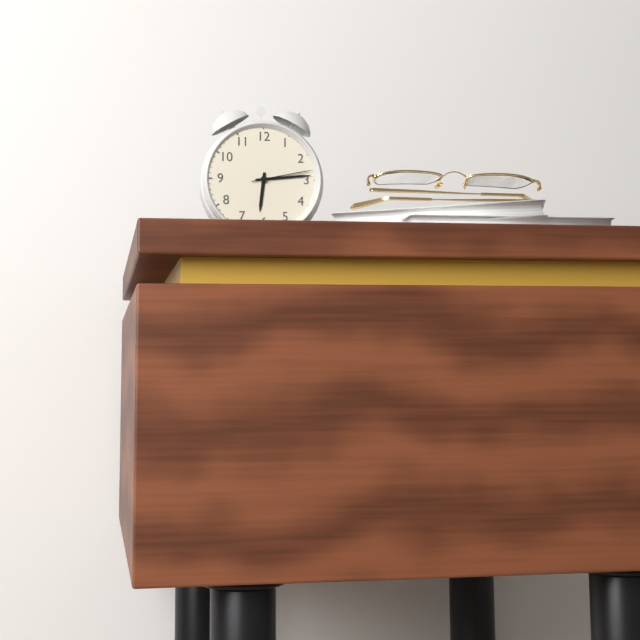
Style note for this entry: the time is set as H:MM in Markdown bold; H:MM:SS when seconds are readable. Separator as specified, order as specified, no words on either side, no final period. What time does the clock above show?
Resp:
**6:14:13**
